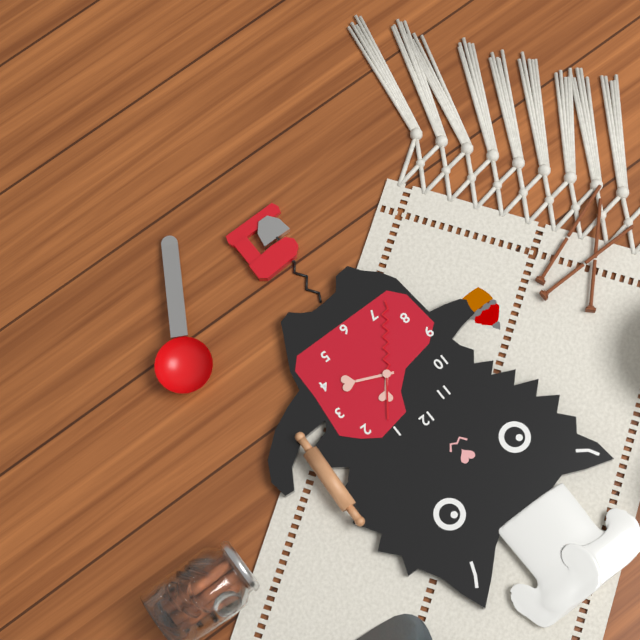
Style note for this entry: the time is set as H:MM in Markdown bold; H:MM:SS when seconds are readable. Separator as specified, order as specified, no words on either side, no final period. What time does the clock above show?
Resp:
**1:19:36**
